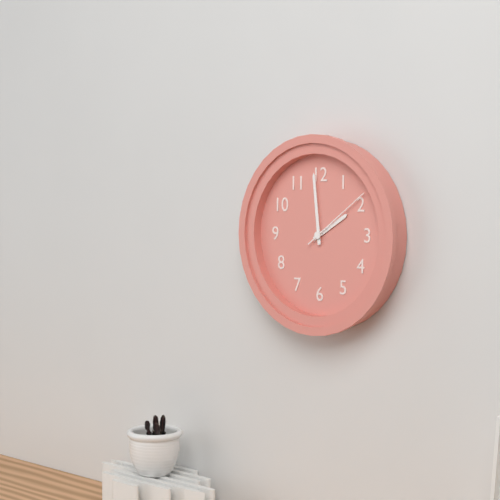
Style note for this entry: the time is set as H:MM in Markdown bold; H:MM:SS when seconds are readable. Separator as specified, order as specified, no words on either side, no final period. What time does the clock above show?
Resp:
**1:59:09**
